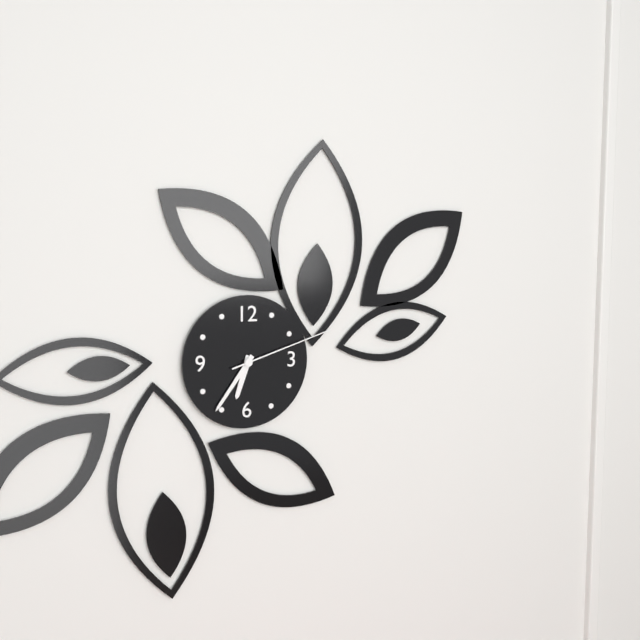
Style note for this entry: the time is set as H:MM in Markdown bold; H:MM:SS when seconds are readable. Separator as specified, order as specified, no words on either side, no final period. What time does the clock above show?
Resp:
**6:36:12**
